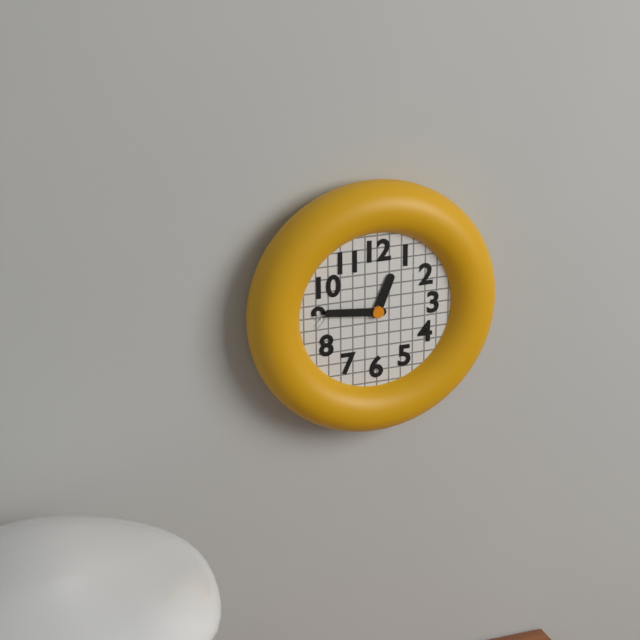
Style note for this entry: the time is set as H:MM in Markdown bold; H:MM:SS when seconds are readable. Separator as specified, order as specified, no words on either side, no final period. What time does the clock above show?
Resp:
**12:46**
